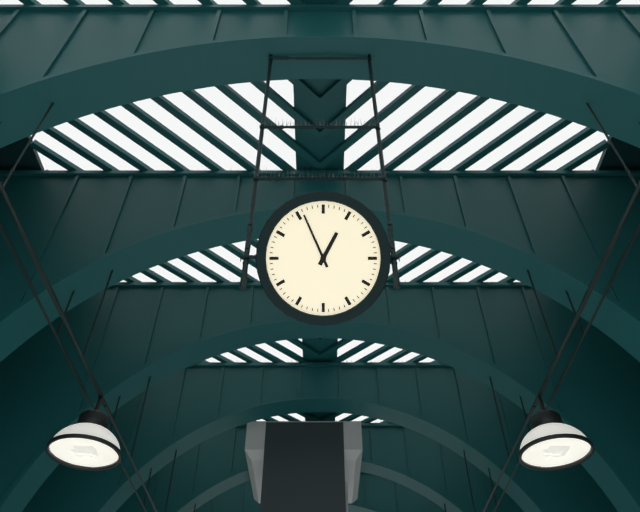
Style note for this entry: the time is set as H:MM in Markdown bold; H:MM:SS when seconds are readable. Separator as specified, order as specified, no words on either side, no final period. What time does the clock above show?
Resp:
**12:56**
